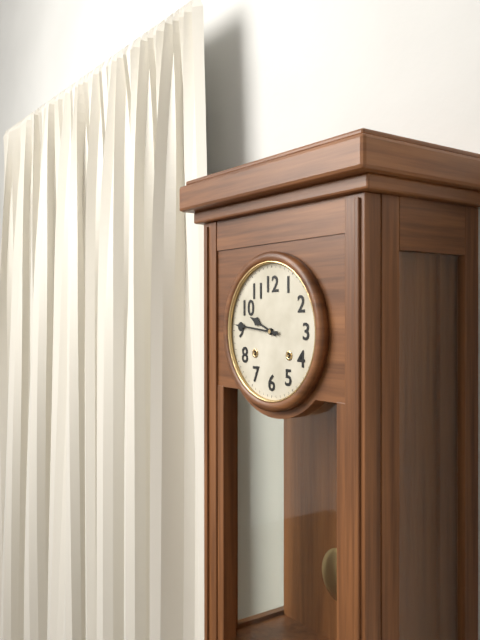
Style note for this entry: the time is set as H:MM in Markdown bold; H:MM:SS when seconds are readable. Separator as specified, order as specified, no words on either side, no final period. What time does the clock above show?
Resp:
**9:46**
